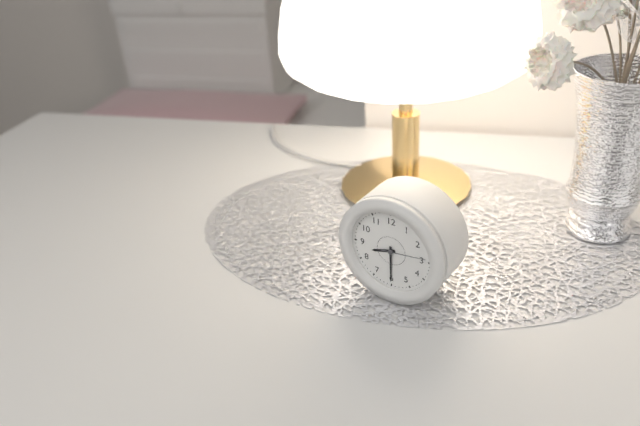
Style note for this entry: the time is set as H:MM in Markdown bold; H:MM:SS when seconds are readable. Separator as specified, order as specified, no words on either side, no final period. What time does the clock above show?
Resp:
**8:30**
